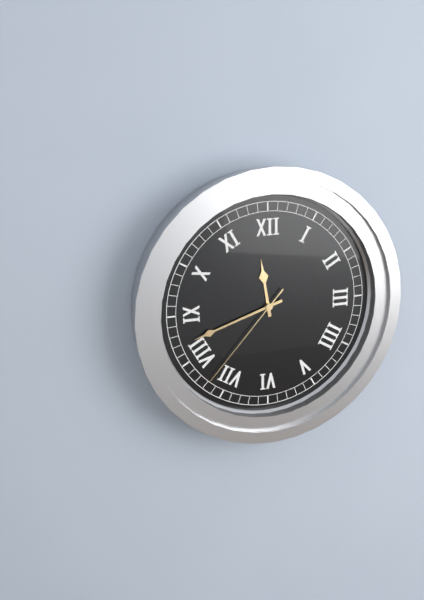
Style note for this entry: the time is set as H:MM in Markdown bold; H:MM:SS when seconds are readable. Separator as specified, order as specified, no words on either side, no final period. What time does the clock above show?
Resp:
**11:42:37**
